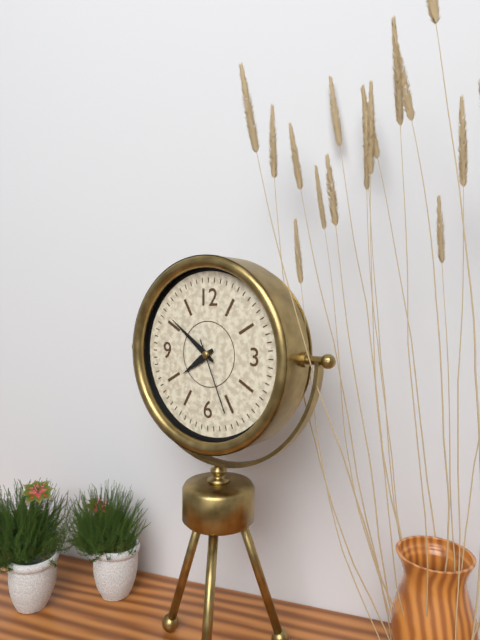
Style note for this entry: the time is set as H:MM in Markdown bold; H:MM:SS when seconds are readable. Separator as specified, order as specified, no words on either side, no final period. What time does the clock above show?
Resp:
**7:51:26**
